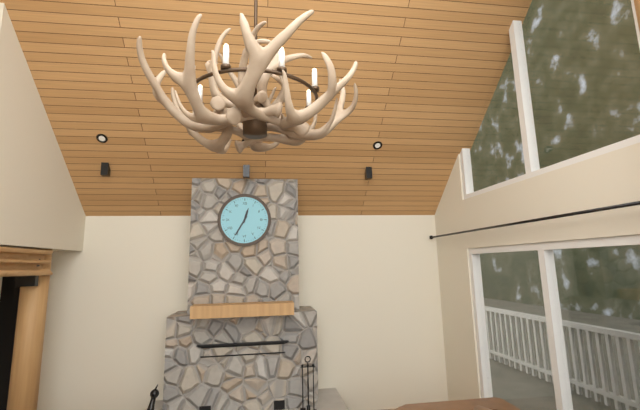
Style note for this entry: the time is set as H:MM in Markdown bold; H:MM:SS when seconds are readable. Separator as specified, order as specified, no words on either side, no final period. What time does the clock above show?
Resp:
**12:35**
